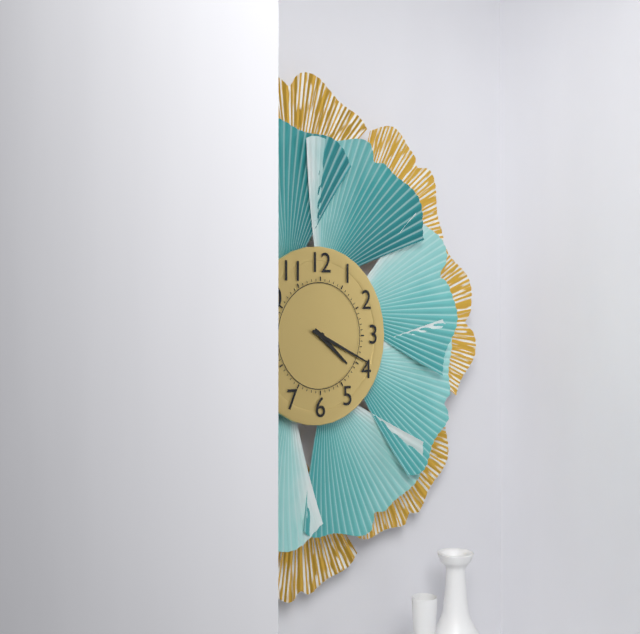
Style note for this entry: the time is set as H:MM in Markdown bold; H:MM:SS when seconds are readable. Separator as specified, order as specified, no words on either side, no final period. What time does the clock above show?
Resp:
**4:19**
